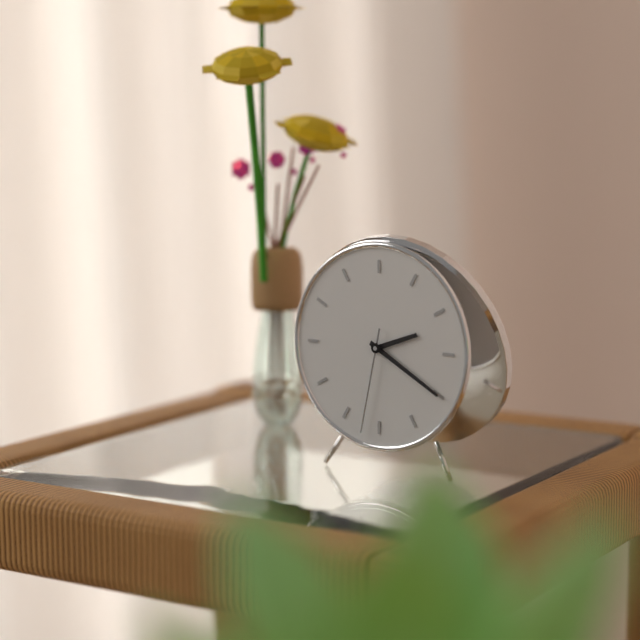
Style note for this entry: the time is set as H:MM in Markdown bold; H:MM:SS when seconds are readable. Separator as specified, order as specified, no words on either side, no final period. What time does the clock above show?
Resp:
**2:20:32**
